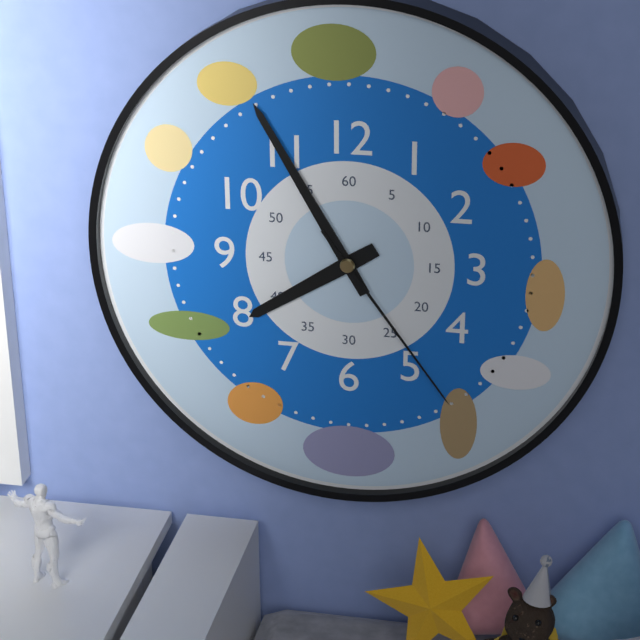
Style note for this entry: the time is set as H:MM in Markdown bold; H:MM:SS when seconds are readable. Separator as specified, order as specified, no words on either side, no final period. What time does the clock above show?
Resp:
**7:55:24**
